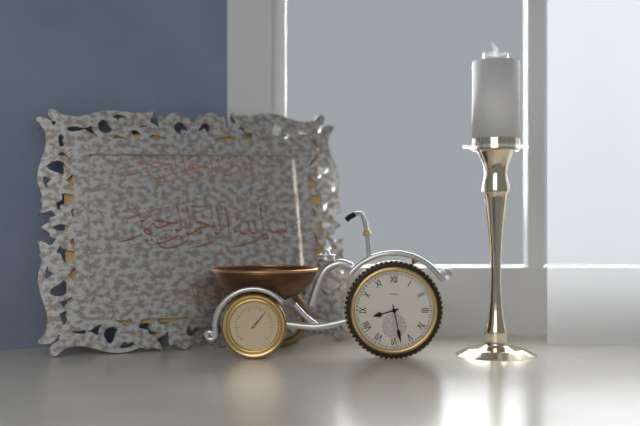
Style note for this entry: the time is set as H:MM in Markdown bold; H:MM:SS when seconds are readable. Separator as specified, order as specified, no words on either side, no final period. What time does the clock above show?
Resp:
**8:28**
